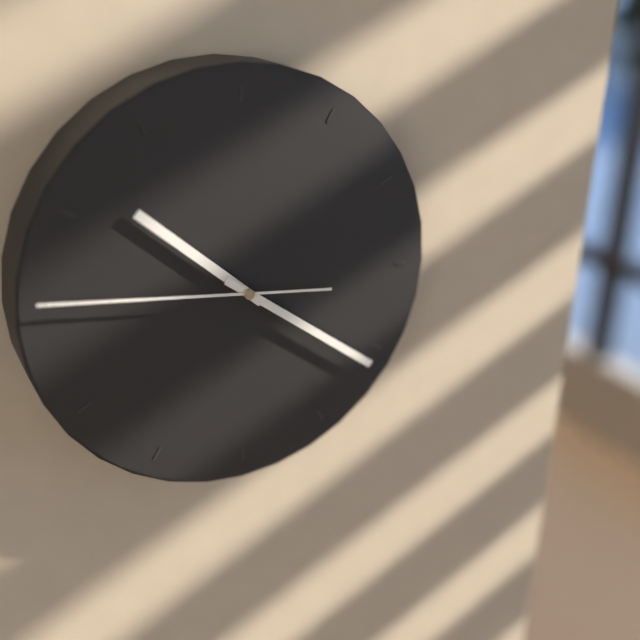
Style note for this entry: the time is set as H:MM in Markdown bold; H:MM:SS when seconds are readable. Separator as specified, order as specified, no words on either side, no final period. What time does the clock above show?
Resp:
**10:21:46**
